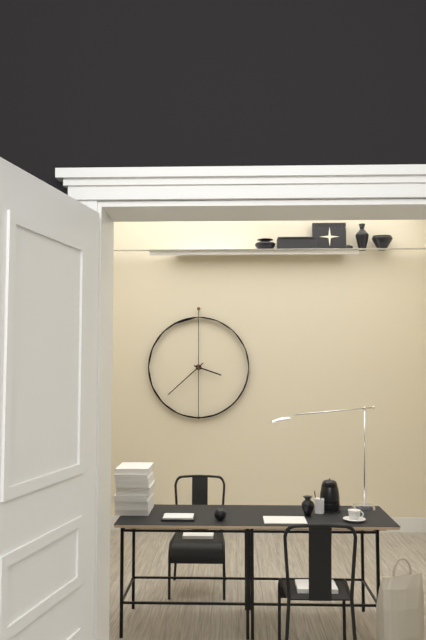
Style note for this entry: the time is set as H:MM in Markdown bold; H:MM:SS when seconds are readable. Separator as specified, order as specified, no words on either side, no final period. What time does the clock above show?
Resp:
**3:38**
